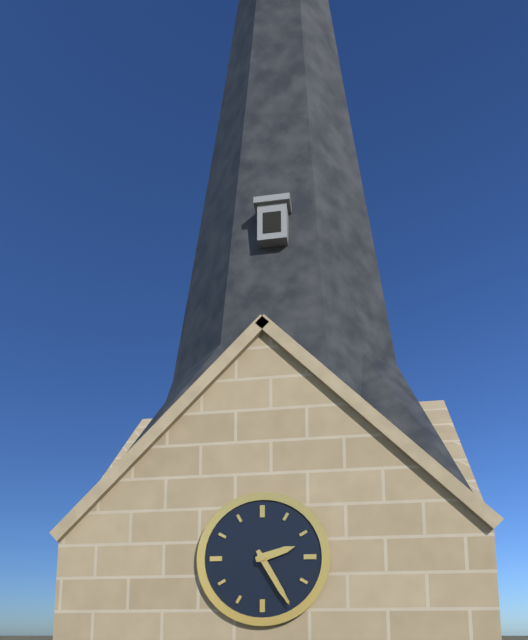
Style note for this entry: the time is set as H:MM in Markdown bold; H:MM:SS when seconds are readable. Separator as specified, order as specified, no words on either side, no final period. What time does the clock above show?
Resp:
**2:25**
